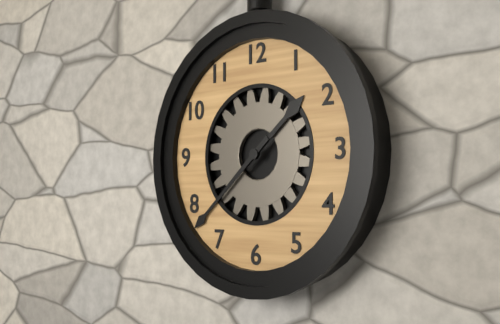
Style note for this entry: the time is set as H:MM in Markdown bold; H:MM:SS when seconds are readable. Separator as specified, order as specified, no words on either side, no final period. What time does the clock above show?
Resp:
**1:38**
